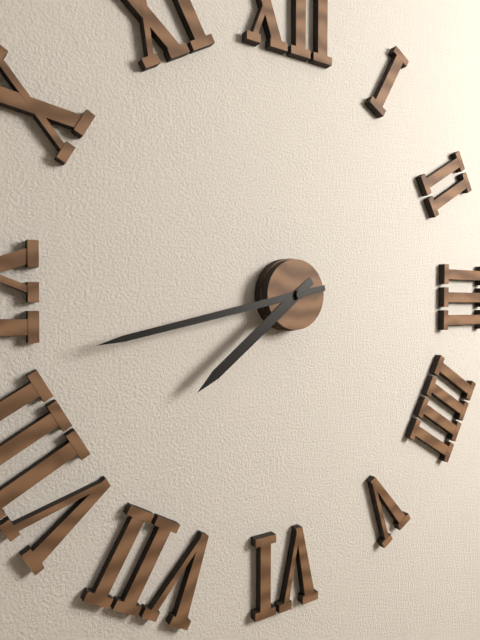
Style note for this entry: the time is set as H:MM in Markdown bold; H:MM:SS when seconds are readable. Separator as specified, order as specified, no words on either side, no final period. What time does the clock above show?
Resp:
**7:43**
